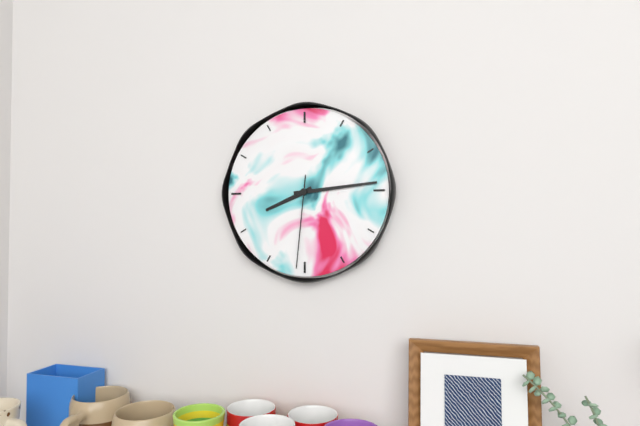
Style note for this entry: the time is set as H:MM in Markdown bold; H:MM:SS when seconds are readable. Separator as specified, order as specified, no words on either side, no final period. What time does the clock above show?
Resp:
**8:14:31**
